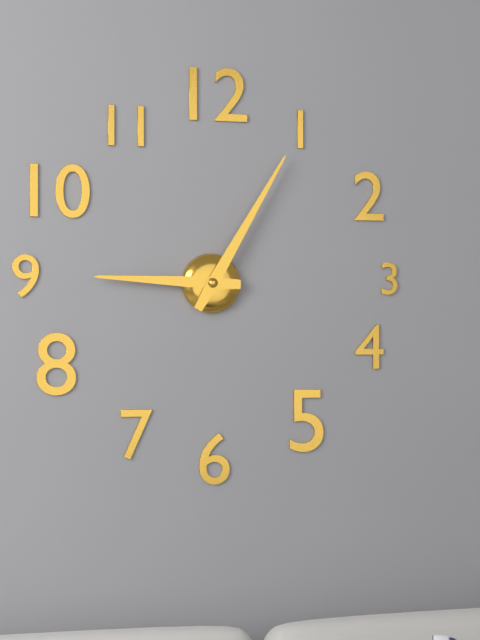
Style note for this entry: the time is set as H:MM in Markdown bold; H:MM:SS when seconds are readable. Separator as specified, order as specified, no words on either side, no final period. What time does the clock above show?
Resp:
**9:05**
